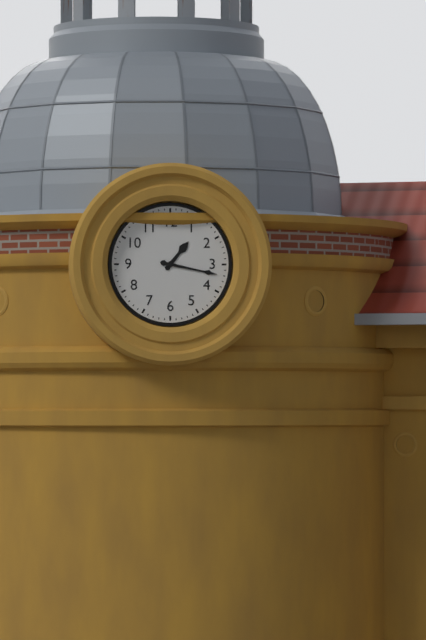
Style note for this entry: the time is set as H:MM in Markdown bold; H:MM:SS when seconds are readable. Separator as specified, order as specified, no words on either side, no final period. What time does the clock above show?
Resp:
**1:17**
